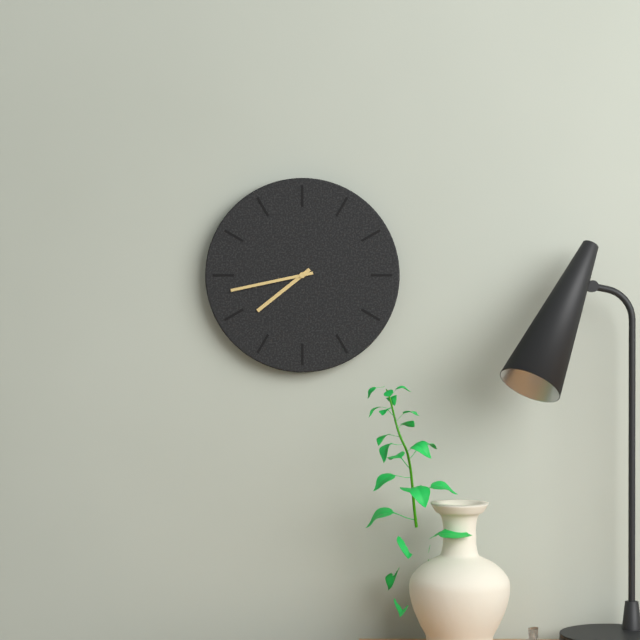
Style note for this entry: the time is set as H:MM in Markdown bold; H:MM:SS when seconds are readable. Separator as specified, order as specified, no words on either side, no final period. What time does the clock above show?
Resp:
**7:43**
